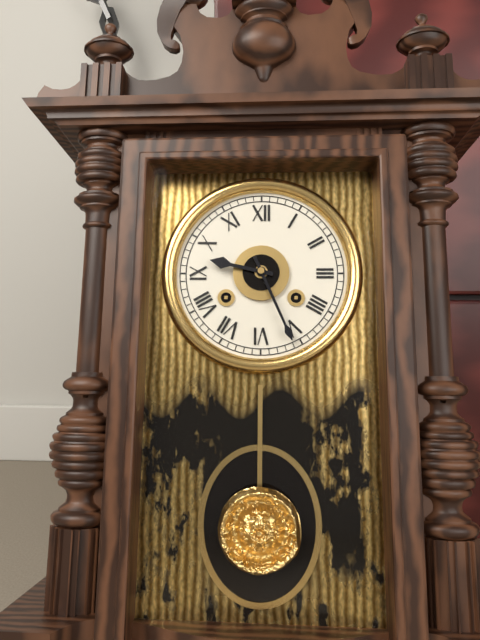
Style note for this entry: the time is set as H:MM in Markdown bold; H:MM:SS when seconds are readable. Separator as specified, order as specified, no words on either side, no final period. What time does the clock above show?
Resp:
**9:26**
